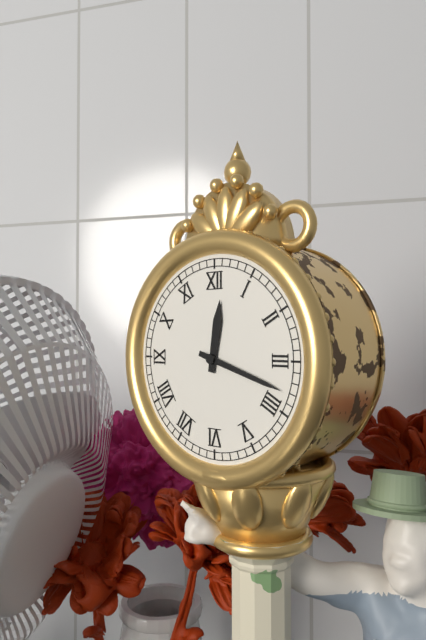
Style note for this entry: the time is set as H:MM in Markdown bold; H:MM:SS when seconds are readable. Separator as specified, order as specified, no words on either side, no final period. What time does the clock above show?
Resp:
**12:18**
